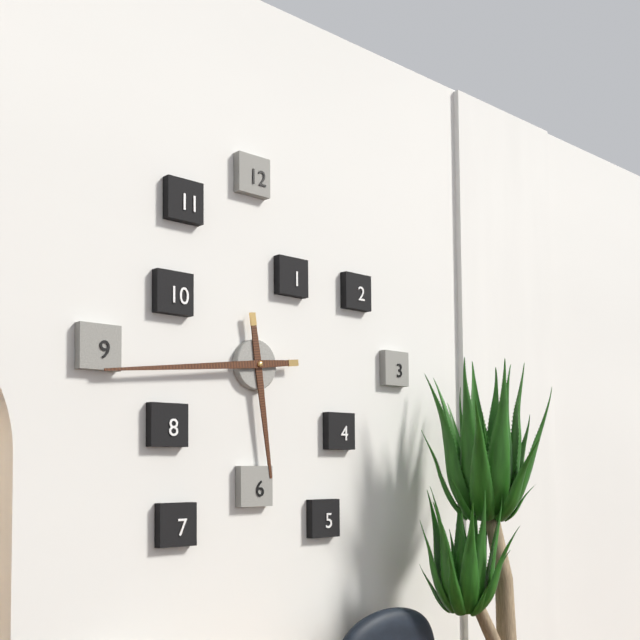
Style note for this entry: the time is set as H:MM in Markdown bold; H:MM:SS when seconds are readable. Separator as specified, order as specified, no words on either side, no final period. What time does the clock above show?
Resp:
**5:44**
